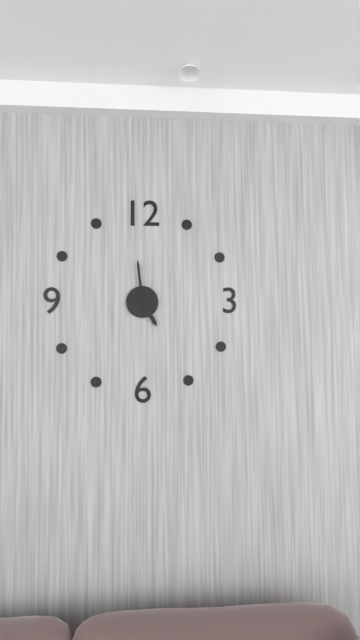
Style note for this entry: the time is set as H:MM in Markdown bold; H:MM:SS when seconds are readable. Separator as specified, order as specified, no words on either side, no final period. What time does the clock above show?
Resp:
**4:59**
